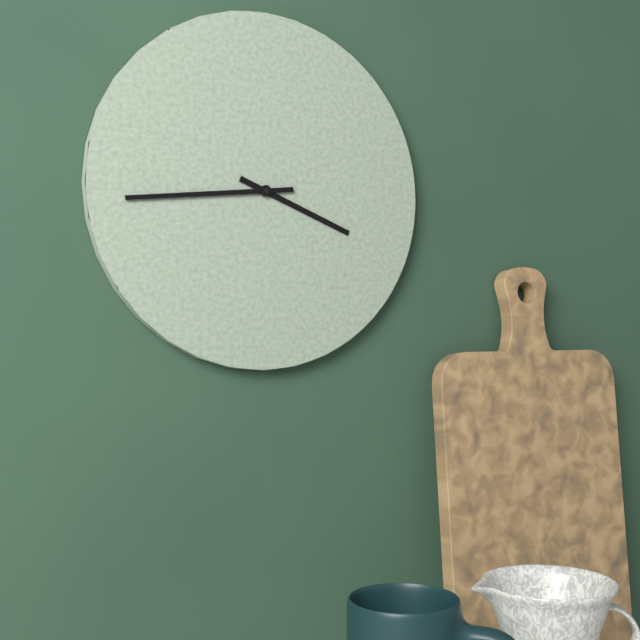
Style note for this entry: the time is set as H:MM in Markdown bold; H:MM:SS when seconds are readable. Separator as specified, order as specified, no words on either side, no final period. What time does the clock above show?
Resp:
**3:44**
